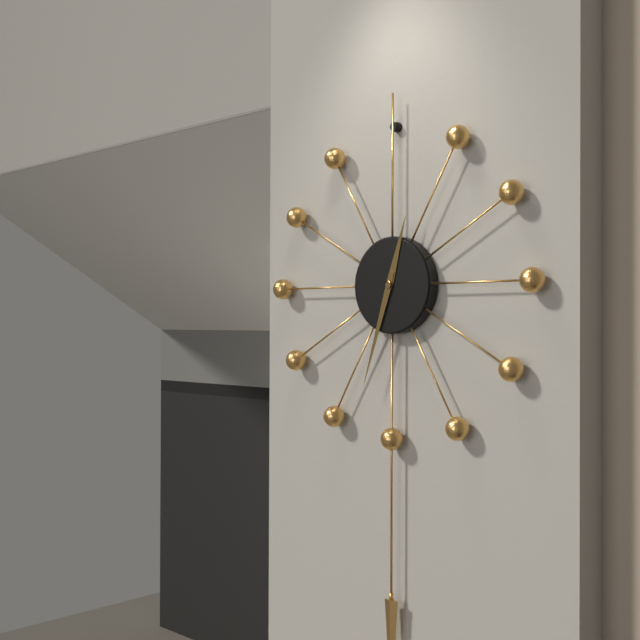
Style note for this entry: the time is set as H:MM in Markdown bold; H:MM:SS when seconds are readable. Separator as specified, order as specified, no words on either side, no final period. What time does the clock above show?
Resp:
**12:33**
